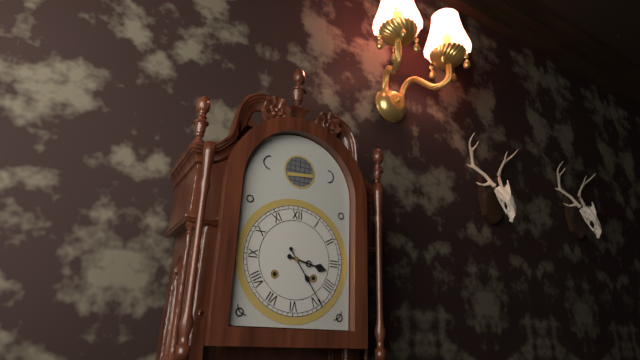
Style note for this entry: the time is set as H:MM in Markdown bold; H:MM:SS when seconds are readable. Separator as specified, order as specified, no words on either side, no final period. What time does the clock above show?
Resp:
**3:24**
